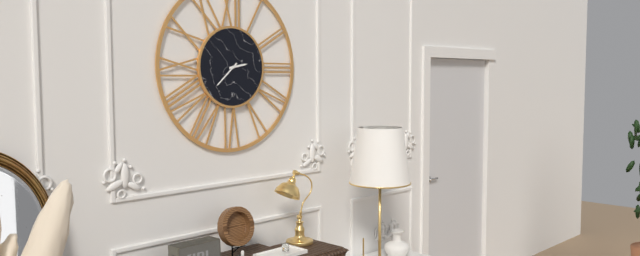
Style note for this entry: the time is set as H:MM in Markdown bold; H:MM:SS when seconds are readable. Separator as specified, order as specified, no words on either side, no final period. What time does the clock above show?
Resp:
**2:38**
